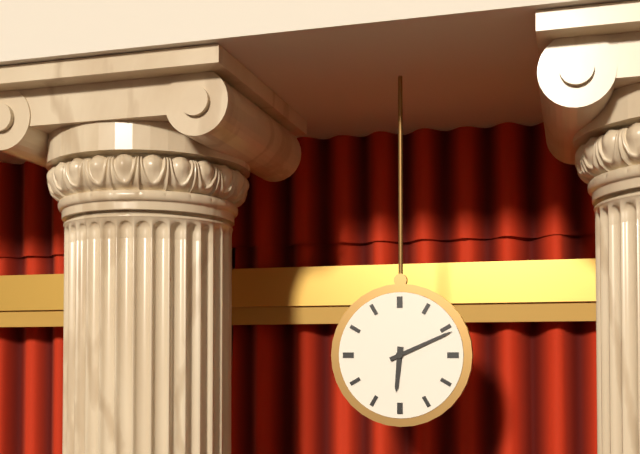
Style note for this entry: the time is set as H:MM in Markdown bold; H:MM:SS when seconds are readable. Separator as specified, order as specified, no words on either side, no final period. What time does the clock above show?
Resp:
**6:11**
